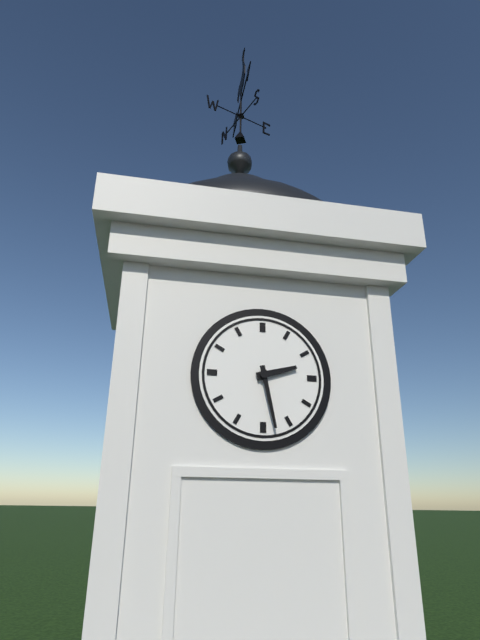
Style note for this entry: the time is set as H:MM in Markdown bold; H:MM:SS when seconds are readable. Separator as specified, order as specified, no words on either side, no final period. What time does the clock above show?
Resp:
**2:28**
